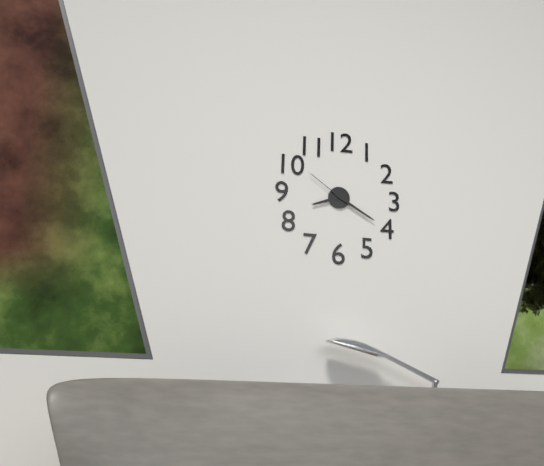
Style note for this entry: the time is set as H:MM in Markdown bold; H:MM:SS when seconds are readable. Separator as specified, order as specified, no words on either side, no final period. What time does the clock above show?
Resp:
**8:20**
